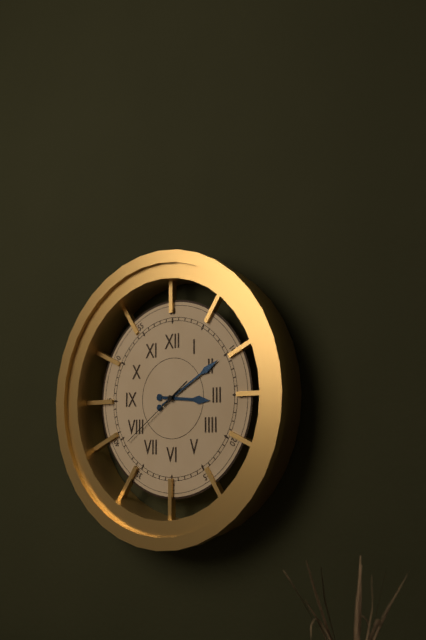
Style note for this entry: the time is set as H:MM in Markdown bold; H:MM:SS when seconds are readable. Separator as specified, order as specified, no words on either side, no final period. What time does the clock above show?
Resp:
**3:10:39**
